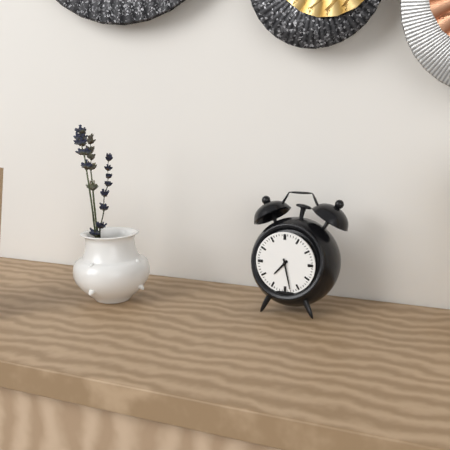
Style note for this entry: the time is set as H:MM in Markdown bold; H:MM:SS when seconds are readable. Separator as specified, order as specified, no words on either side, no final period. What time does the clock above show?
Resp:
**7:28**
